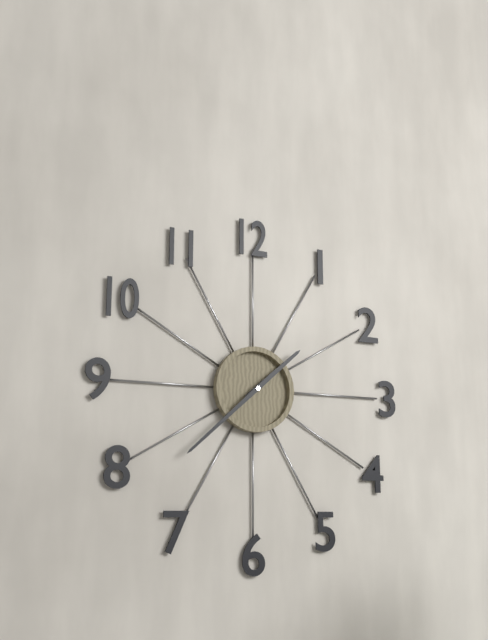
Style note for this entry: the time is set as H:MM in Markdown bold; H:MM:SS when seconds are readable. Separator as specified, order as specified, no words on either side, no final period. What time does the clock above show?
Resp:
**1:38**
